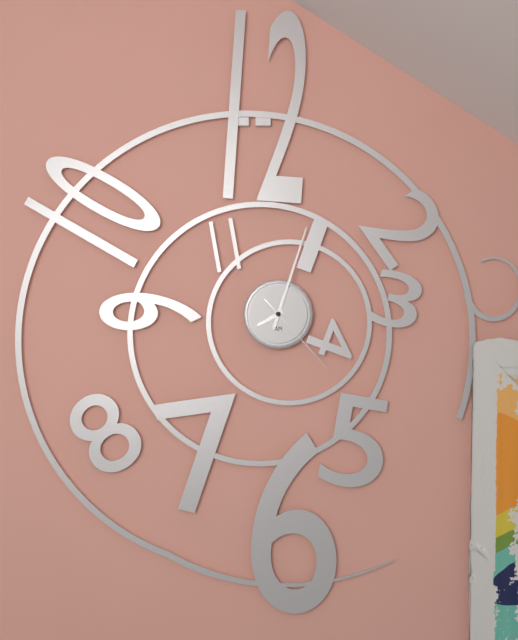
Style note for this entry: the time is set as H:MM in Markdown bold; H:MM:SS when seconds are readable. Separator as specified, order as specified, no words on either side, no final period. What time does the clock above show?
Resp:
**8:03:23**
